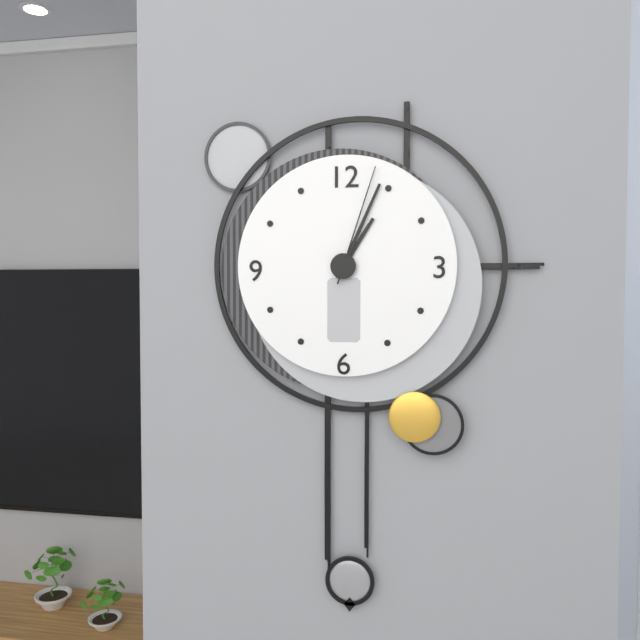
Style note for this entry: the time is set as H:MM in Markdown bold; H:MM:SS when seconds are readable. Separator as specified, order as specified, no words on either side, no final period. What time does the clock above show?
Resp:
**1:04:03**
